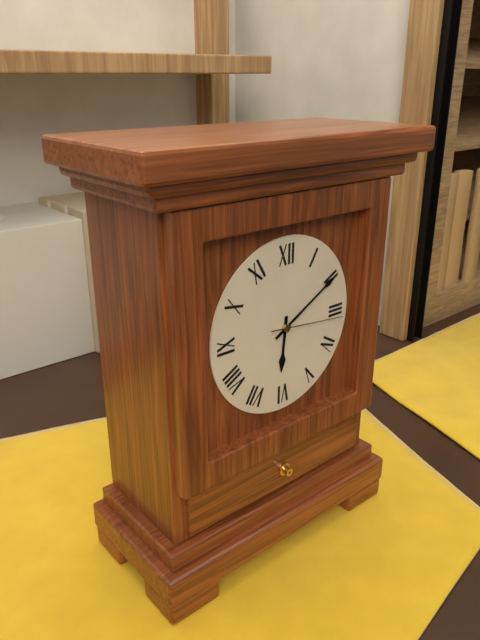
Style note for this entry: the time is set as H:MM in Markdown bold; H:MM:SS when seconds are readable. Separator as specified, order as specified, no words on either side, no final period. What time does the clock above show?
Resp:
**6:10:16**
